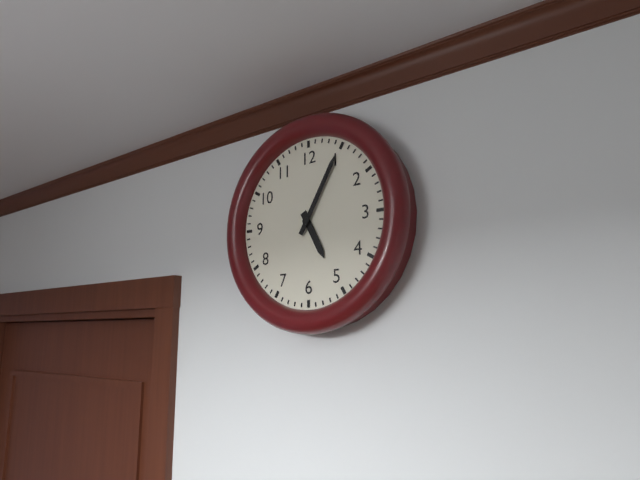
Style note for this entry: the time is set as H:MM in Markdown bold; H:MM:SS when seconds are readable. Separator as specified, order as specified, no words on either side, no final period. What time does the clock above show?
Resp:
**5:05**
